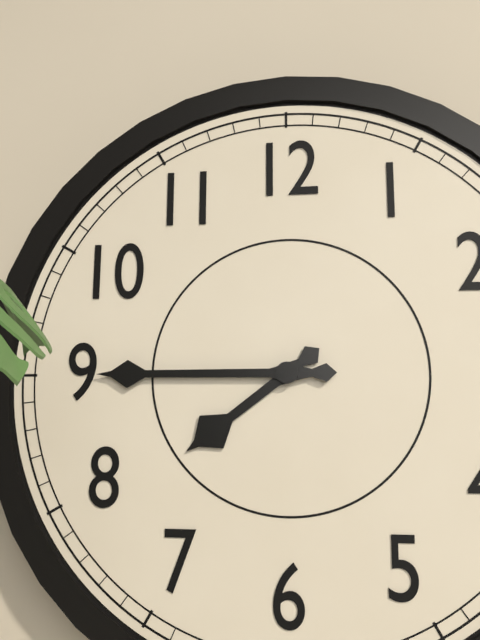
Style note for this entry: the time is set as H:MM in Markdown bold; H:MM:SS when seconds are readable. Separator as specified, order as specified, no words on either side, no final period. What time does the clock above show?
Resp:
**7:45**
